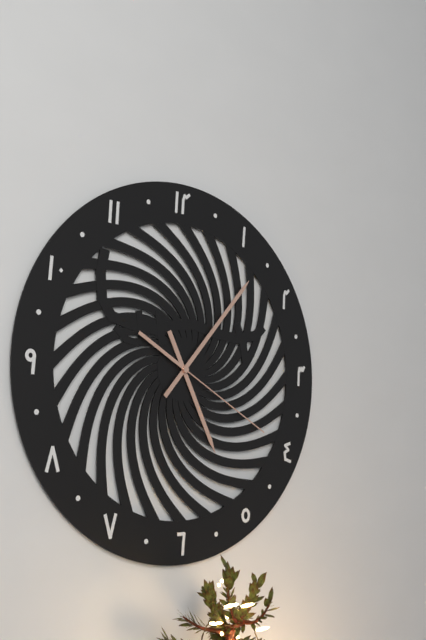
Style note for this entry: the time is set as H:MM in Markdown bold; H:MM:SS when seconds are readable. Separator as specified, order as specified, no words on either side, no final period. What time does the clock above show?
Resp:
**5:07:20**
